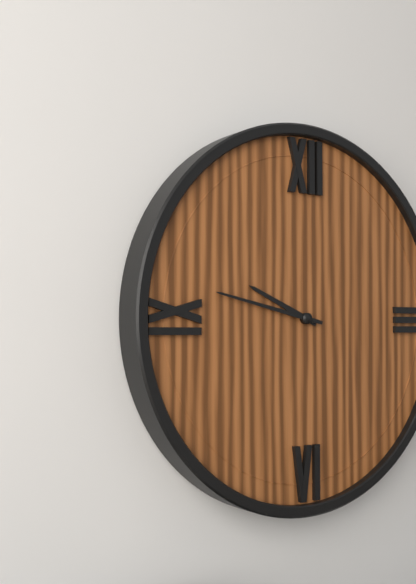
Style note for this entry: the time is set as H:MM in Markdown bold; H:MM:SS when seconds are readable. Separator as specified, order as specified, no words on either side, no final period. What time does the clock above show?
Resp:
**9:47**
